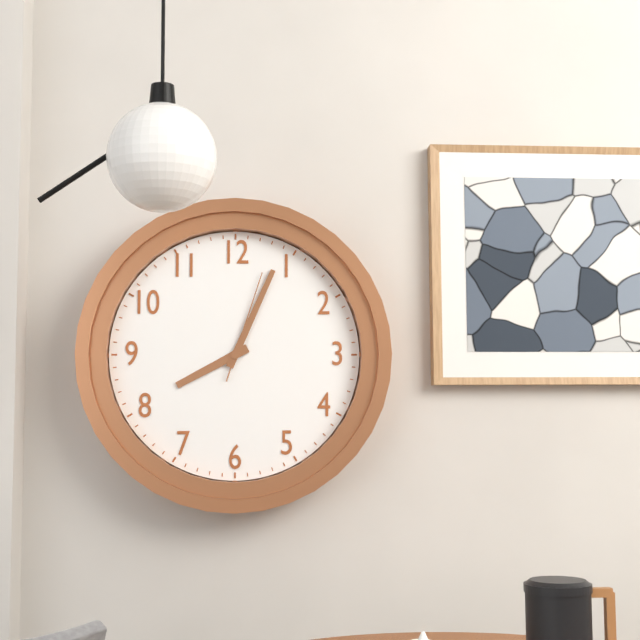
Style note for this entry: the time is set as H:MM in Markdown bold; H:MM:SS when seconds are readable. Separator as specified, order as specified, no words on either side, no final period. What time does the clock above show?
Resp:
**8:04:03**
